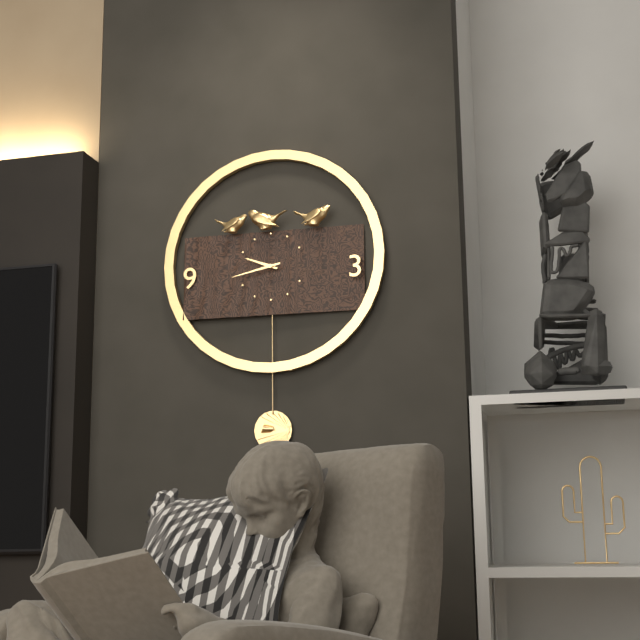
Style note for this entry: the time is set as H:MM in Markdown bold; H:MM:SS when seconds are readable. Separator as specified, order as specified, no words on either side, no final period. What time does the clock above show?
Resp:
**9:43**
